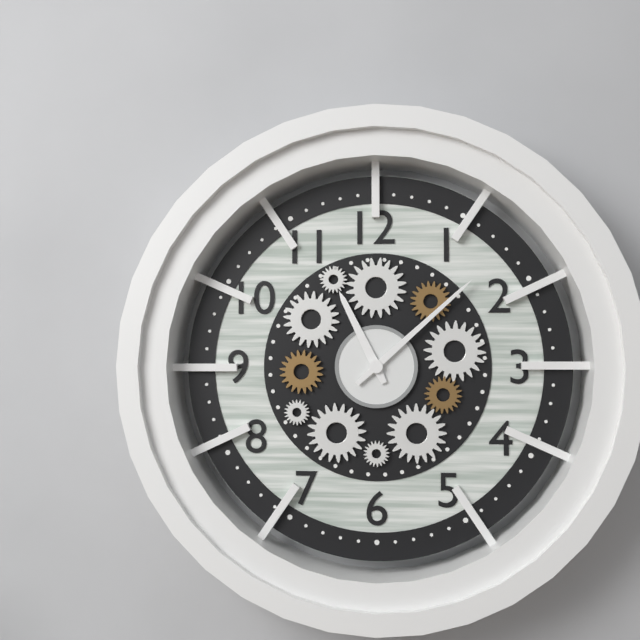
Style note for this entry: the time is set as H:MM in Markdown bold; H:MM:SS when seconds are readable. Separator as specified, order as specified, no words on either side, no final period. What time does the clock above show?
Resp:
**11:08**
